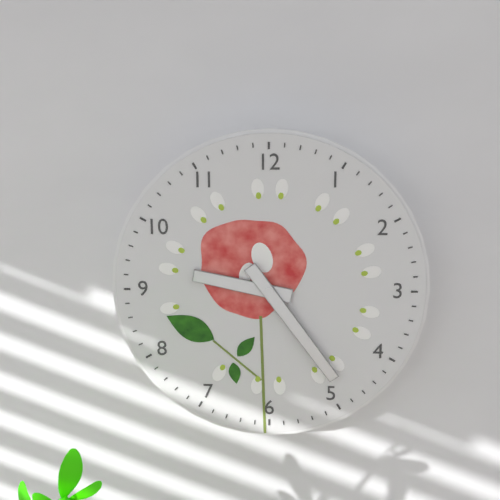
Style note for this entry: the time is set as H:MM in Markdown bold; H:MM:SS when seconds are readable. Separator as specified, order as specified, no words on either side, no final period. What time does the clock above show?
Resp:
**9:24**
